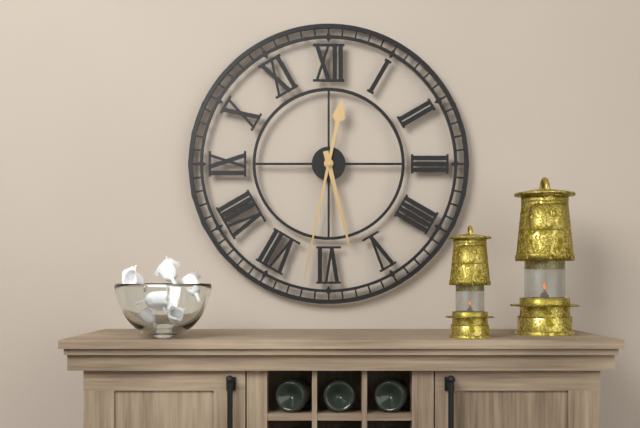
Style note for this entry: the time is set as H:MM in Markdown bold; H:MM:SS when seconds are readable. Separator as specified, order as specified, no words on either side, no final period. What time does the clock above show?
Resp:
**5:32**
